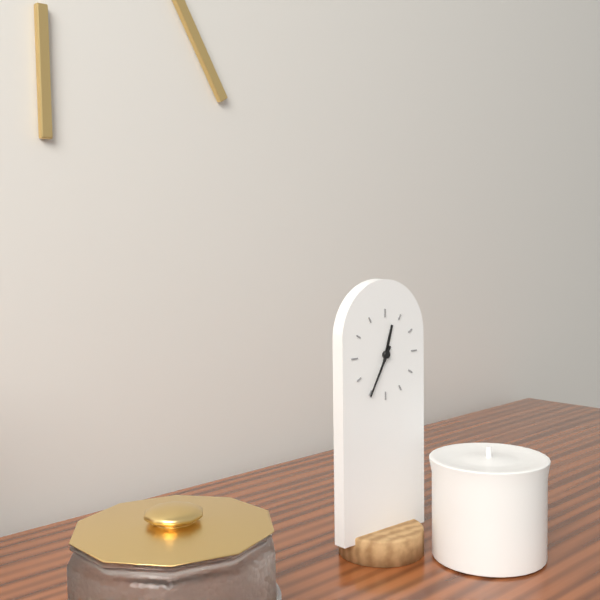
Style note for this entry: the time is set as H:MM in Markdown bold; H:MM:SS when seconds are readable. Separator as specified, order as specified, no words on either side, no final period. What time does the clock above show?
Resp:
**12:35**
